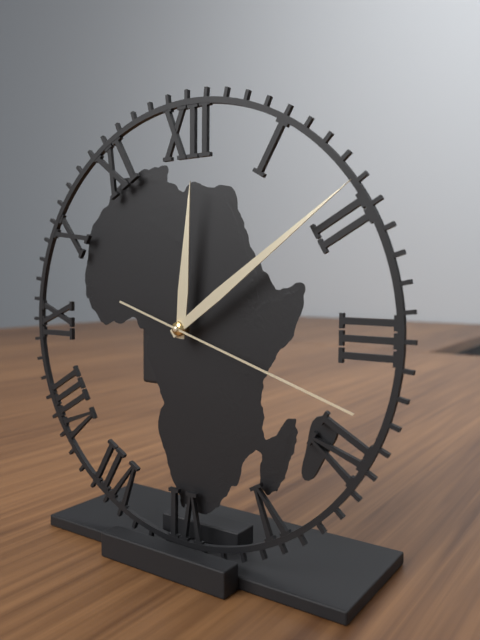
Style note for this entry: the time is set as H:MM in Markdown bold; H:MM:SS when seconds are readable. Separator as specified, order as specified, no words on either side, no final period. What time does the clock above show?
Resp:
**12:09:18**
